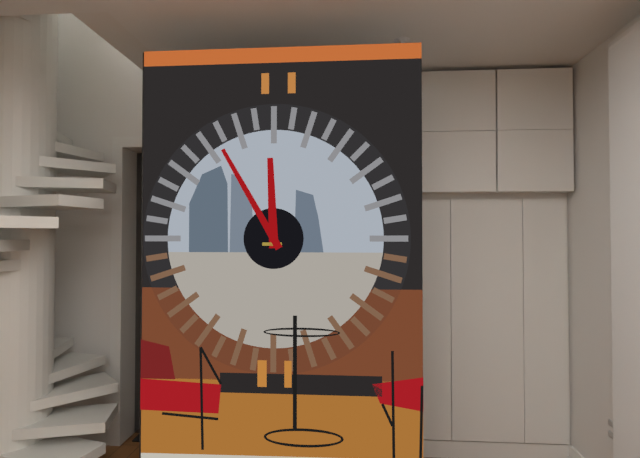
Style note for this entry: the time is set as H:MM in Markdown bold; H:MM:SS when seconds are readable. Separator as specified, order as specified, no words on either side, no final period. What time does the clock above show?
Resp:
**11:55**
